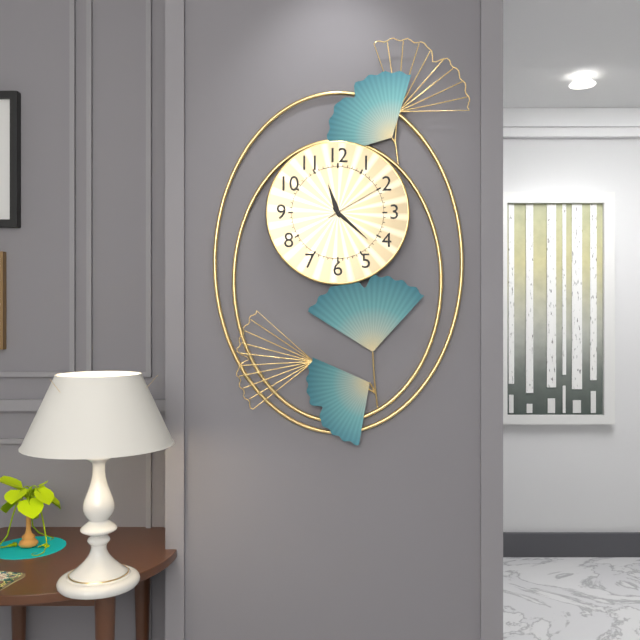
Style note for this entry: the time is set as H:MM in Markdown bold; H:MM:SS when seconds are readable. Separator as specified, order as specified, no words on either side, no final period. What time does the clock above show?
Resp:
**11:22:10**
